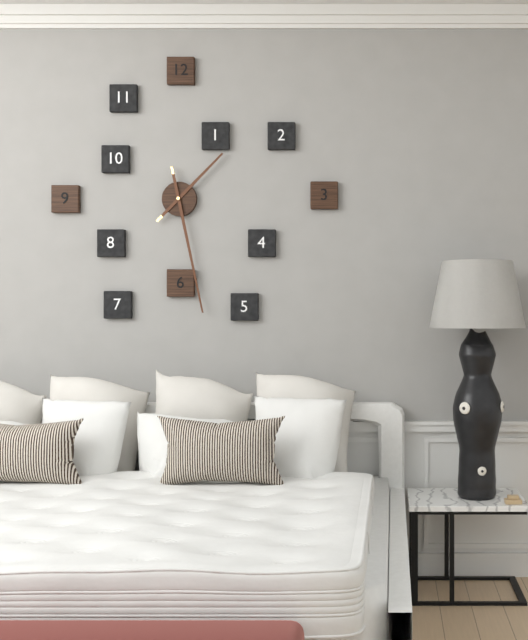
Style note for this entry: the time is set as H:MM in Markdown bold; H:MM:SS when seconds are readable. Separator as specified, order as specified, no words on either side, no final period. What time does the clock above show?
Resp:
**1:28**
